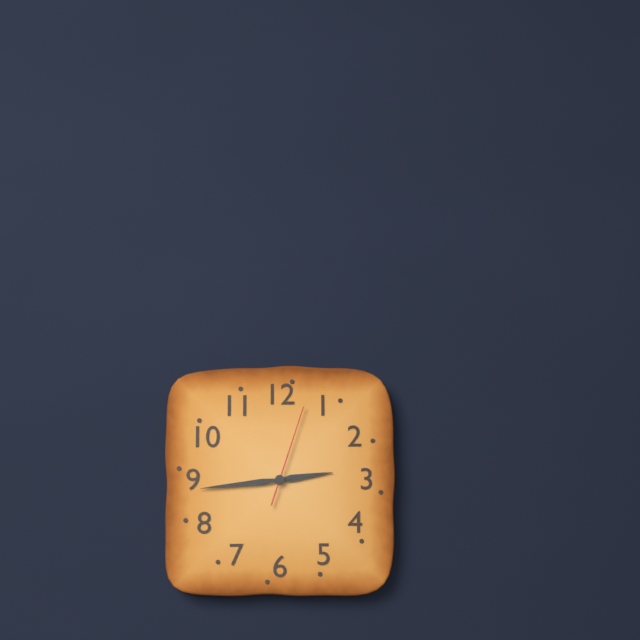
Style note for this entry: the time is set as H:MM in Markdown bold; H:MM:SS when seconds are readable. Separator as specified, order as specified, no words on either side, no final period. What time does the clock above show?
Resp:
**2:44:03**
